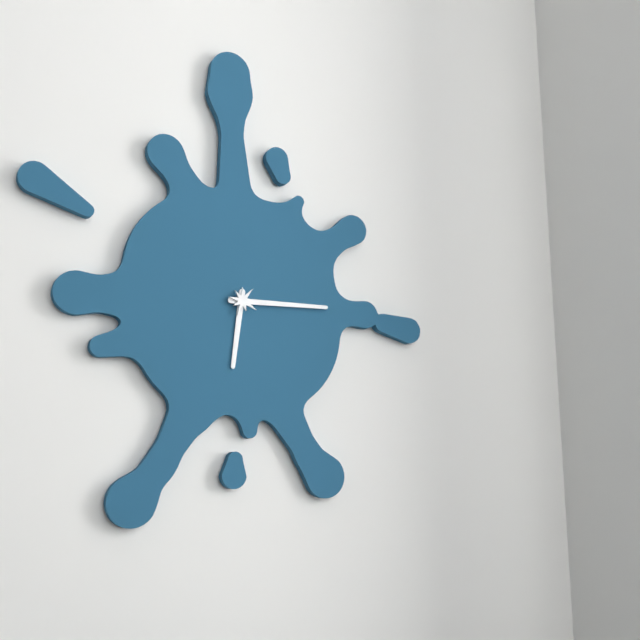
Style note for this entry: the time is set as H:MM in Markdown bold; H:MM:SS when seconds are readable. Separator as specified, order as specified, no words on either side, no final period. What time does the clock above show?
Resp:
**6:15**
